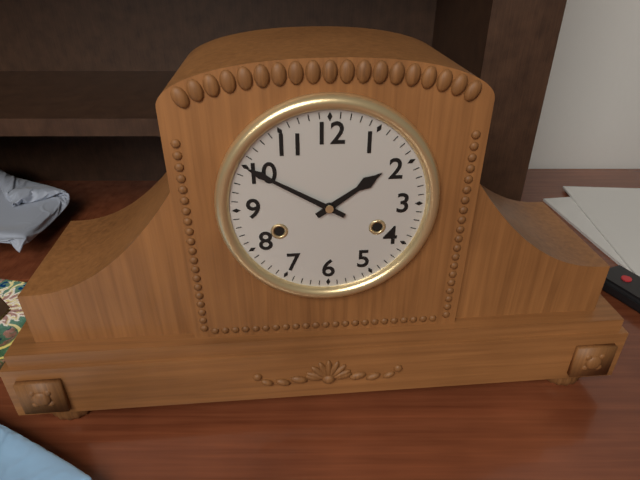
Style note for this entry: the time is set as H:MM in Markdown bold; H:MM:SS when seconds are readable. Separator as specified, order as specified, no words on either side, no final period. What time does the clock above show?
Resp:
**1:50**
